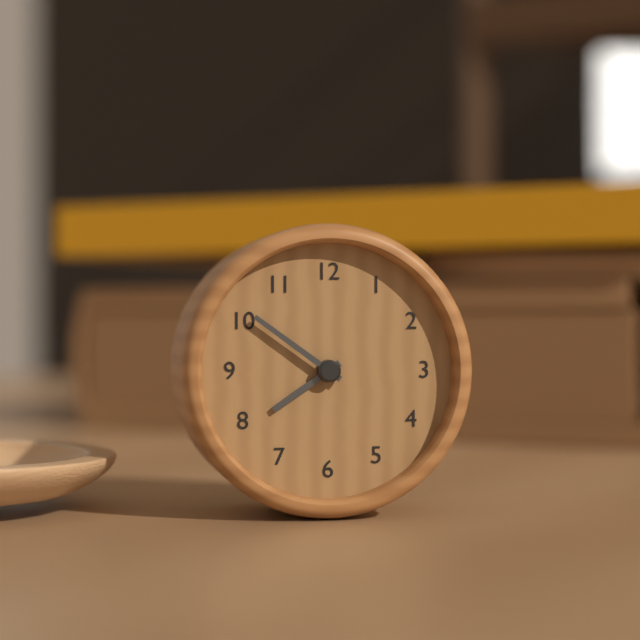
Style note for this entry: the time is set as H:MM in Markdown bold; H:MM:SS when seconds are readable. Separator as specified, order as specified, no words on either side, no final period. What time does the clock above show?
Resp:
**7:51**
